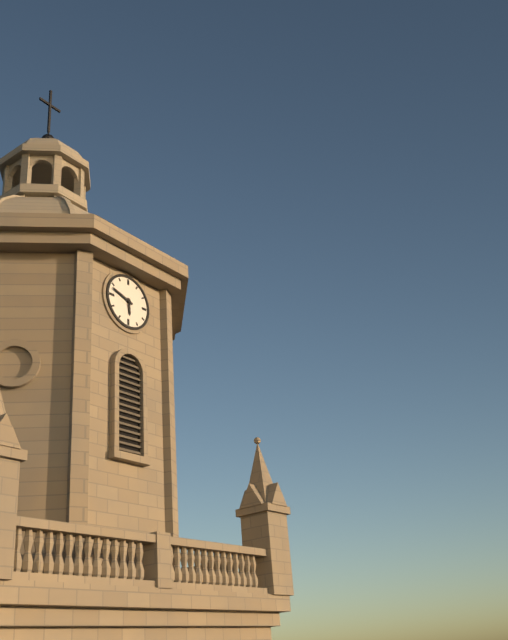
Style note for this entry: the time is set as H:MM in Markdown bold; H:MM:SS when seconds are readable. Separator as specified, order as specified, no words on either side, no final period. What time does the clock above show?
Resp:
**5:48**
